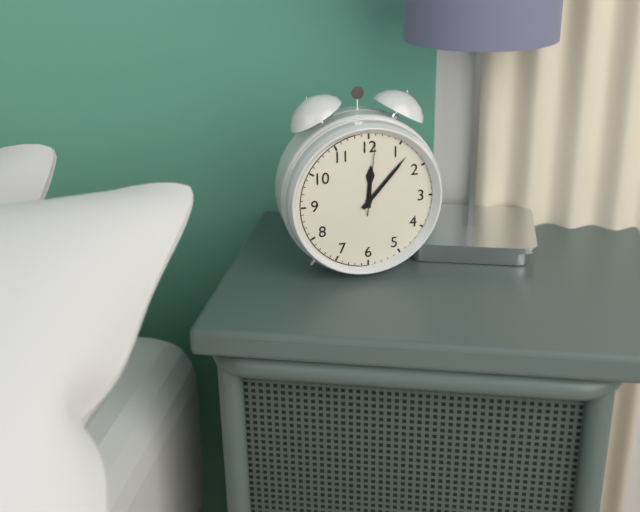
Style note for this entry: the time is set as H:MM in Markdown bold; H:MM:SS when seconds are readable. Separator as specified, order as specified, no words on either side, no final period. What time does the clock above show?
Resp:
**12:07:01**
